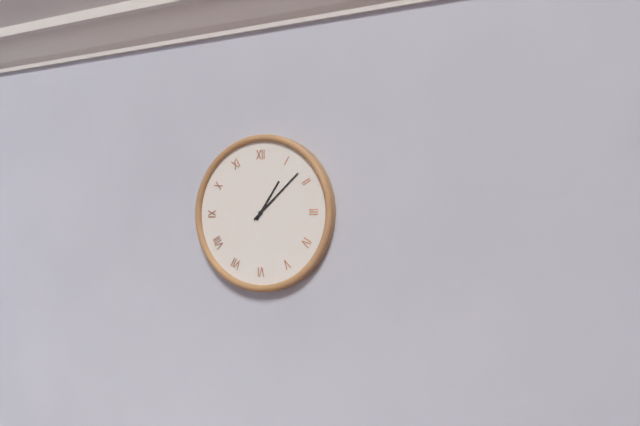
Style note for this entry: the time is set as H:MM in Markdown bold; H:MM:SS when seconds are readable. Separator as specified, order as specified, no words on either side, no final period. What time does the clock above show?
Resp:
**1:08**
